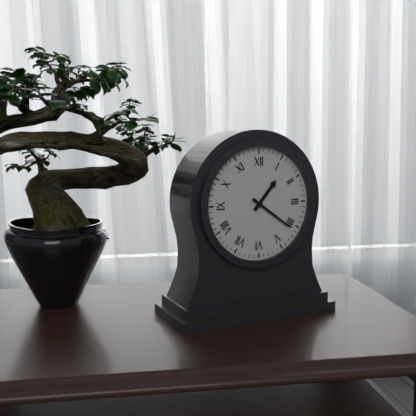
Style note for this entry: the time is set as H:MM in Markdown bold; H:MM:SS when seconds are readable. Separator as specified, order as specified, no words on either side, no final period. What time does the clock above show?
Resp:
**1:21**
